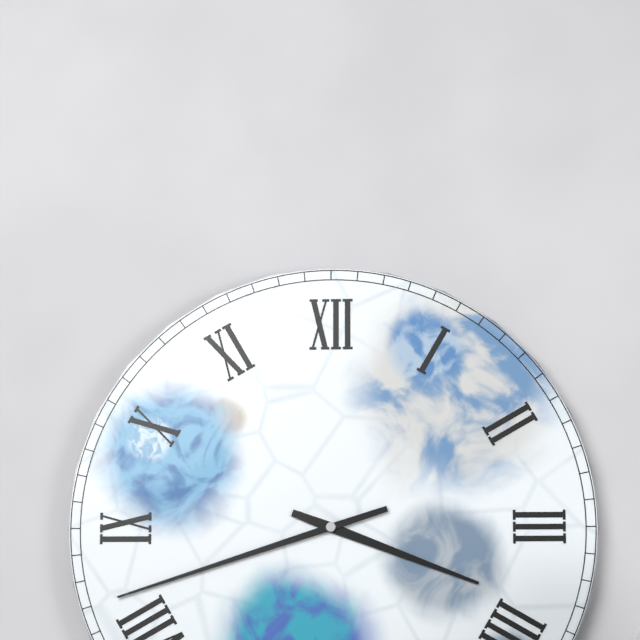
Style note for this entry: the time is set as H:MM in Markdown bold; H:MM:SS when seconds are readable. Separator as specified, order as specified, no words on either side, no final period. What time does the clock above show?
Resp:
**3:42**
